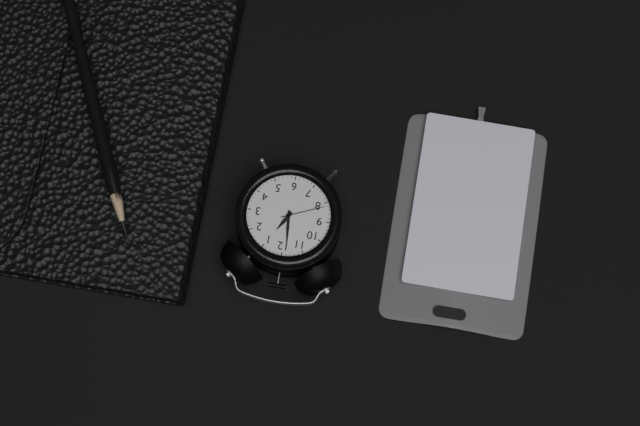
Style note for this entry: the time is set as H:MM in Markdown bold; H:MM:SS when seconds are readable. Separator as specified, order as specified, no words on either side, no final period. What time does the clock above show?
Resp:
**12:59**
